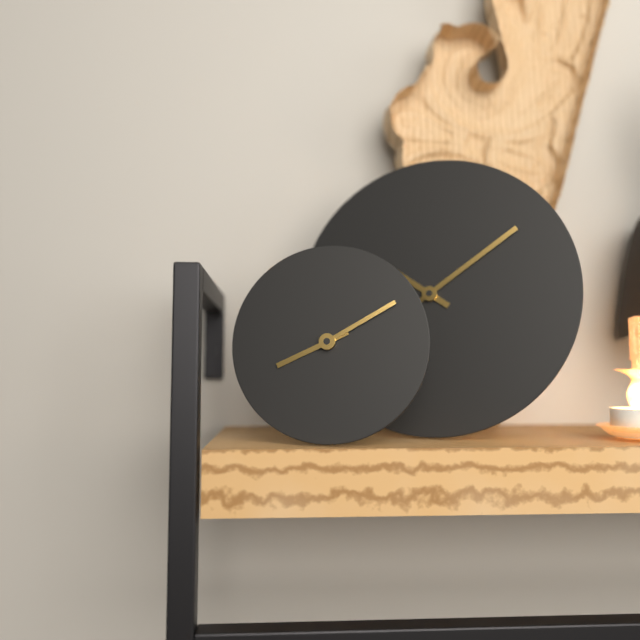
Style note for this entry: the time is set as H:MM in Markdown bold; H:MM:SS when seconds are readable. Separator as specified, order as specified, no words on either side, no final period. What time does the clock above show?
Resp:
**8:10**
